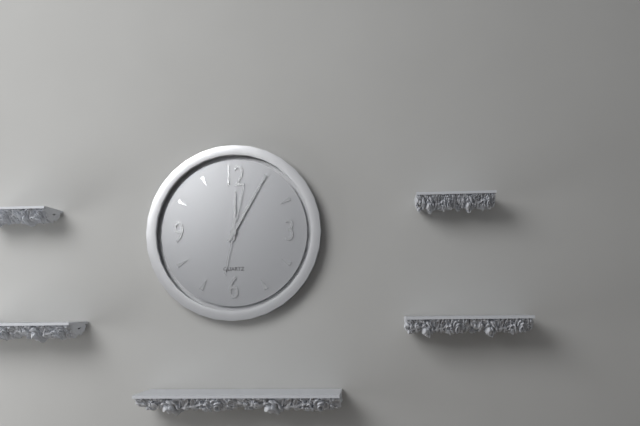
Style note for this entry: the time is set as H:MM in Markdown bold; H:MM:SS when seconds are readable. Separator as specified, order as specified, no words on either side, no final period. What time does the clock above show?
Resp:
**12:05:02**
